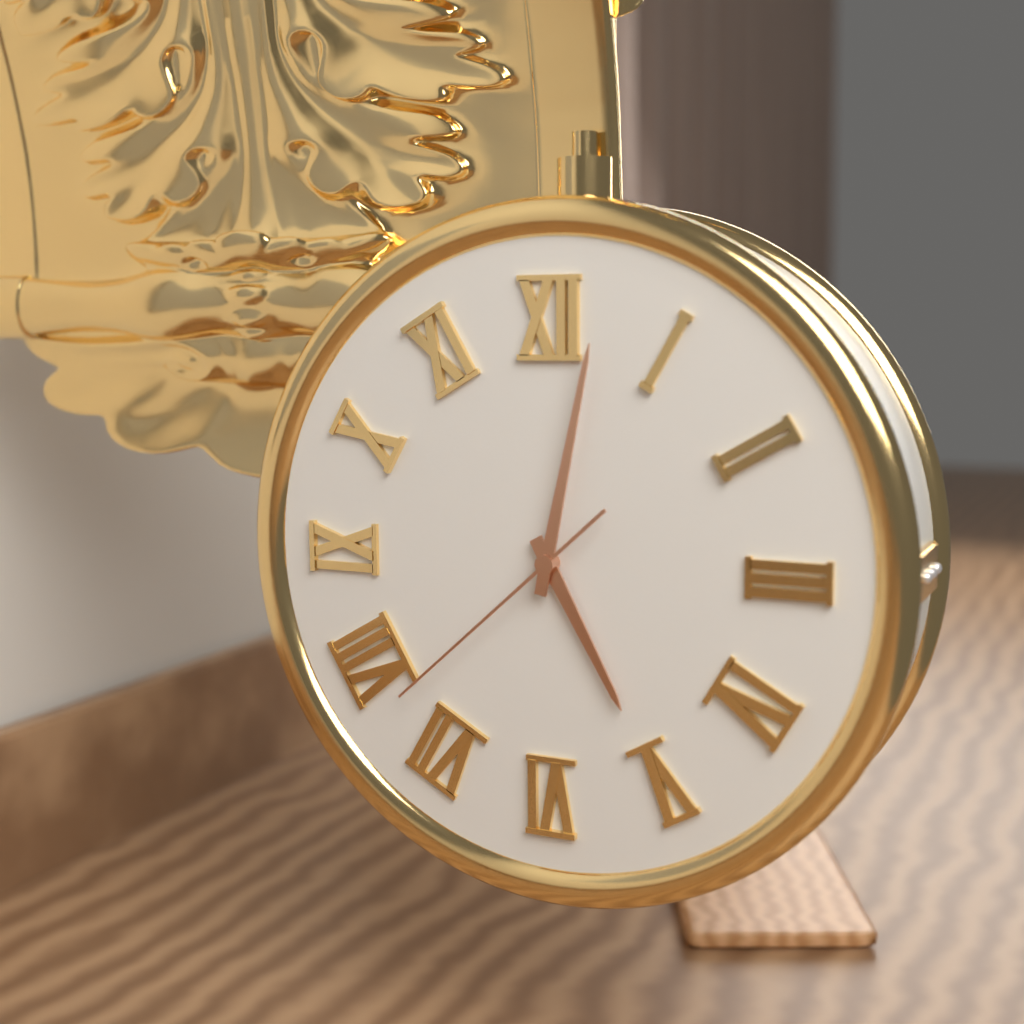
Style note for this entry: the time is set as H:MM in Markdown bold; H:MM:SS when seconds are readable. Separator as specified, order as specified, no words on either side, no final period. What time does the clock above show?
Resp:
**5:02:38**
